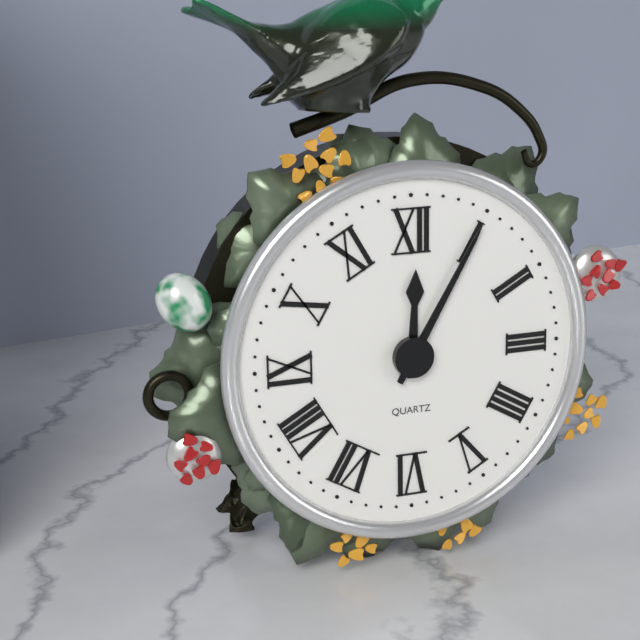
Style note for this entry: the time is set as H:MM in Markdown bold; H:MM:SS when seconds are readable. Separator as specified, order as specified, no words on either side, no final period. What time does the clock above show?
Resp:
**12:05**
